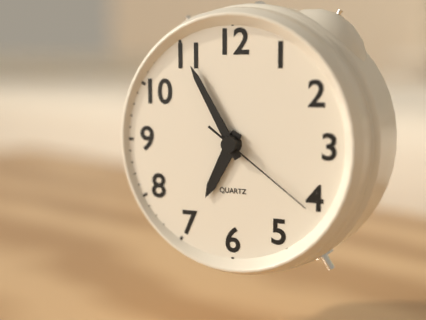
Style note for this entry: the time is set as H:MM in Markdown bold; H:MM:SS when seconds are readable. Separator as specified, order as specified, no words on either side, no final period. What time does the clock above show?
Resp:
**6:55:21**
